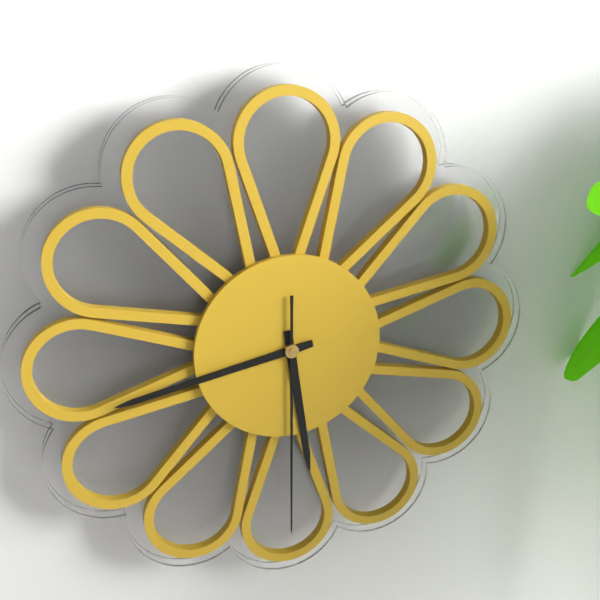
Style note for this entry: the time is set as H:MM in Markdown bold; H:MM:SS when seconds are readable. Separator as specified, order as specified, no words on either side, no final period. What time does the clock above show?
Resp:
**5:43:30**
